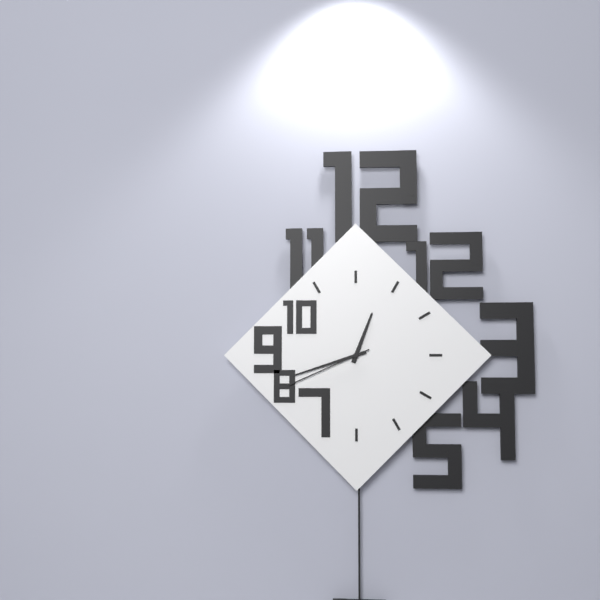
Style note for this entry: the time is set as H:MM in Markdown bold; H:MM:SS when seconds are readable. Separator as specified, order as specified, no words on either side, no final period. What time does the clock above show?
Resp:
**12:42:41**
